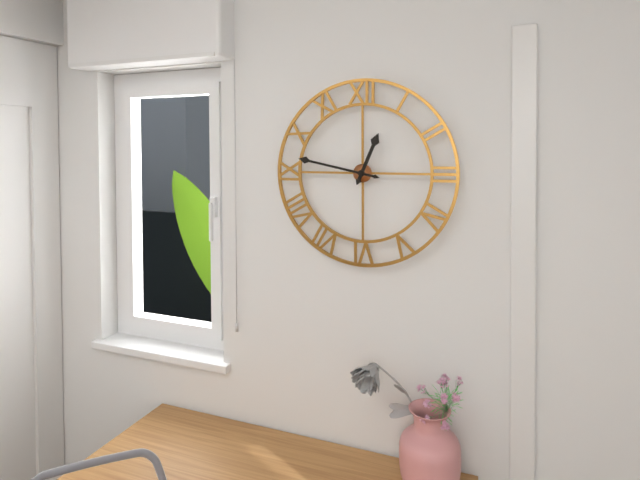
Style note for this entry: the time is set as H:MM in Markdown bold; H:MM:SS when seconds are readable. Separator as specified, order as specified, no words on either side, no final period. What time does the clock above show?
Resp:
**12:47**
